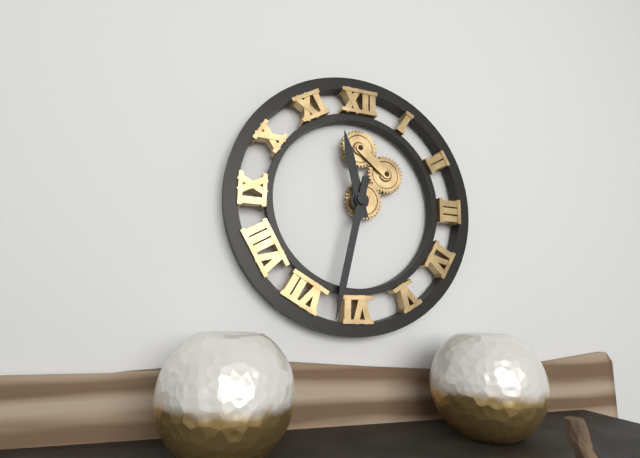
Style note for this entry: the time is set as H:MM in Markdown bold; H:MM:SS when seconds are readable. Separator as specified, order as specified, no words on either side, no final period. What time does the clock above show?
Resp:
**11:32**
